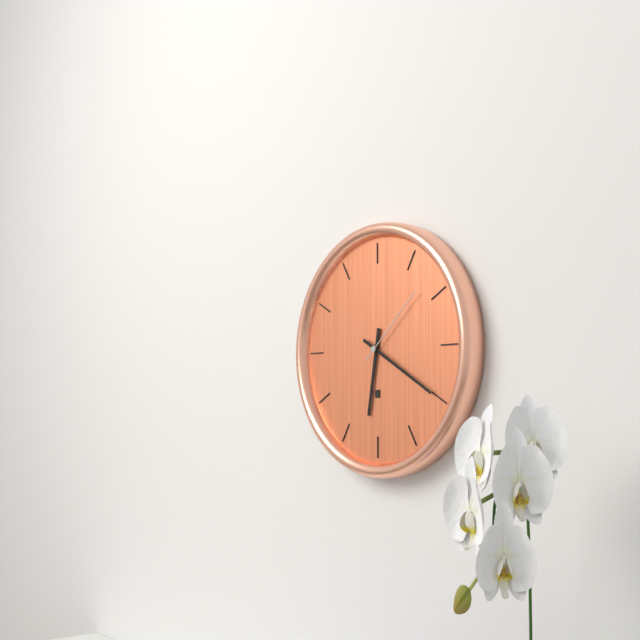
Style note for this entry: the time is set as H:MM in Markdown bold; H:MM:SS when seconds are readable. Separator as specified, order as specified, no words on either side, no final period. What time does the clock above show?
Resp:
**6:20:08**
